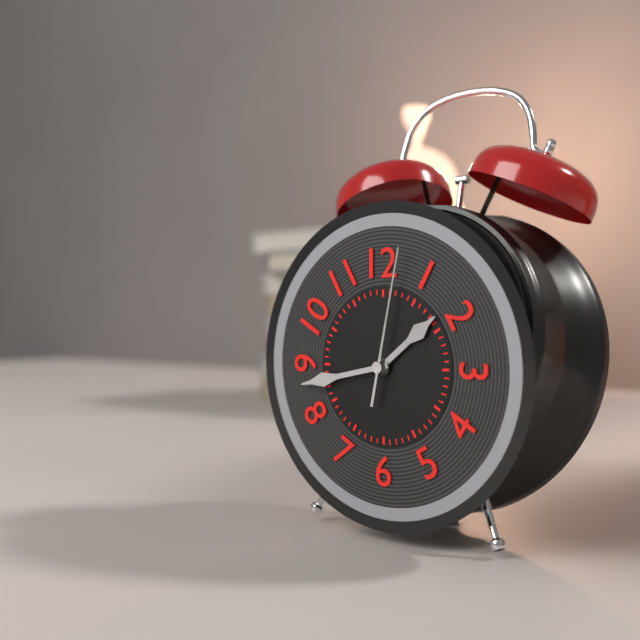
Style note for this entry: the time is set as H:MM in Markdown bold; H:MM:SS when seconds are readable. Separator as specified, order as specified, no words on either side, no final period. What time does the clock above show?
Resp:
**1:43:02**
